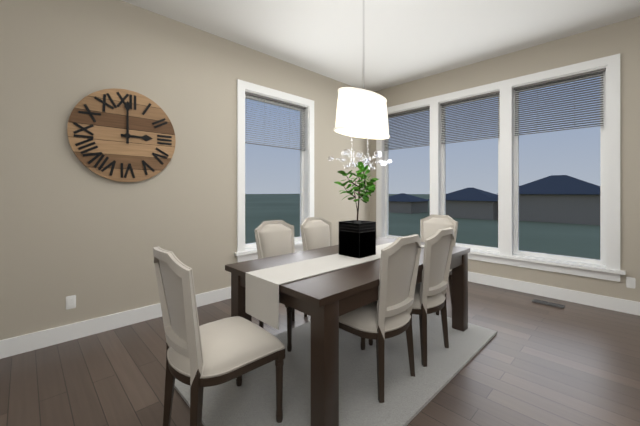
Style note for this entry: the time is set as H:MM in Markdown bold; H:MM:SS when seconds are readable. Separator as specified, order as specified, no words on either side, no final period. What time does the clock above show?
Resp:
**3:00**
